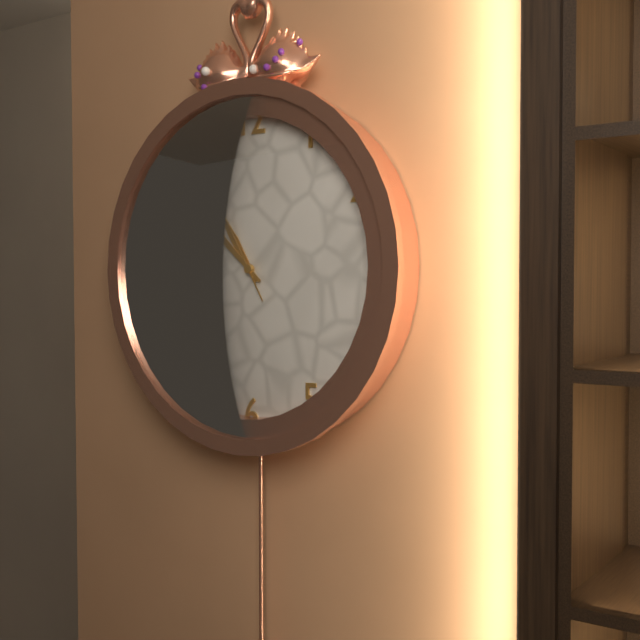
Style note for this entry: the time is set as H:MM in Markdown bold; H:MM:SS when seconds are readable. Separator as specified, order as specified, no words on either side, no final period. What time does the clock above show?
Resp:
**10:52:55**
